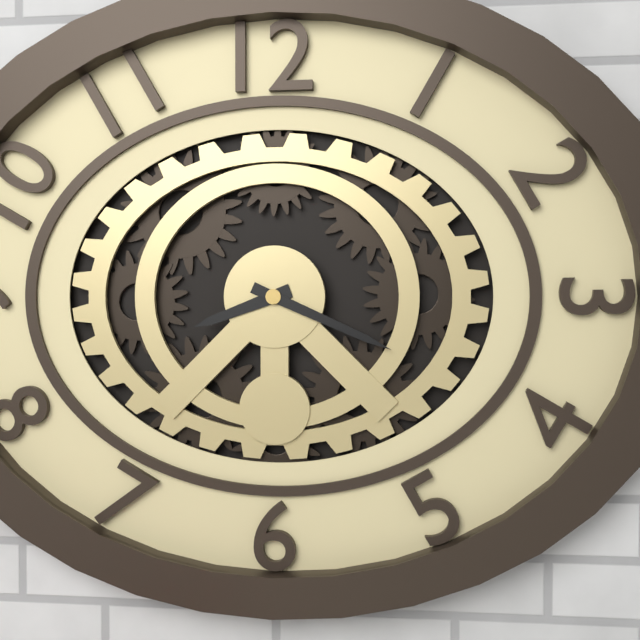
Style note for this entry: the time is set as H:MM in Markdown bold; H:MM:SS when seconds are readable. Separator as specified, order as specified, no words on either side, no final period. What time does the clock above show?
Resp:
**8:19**
